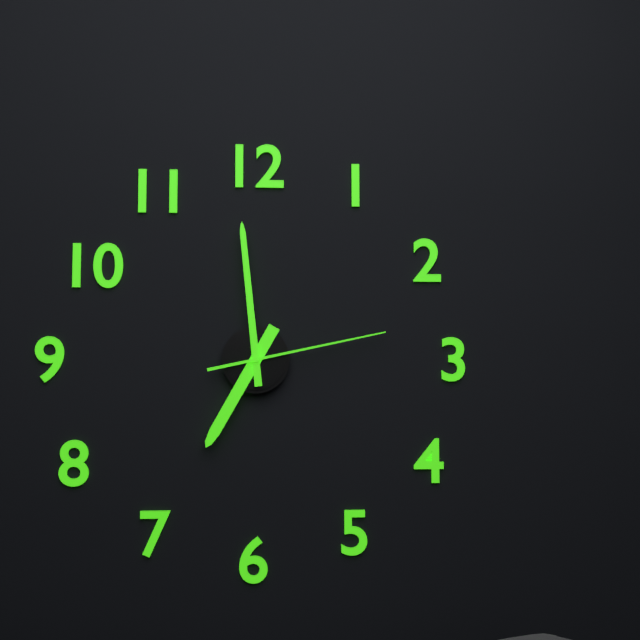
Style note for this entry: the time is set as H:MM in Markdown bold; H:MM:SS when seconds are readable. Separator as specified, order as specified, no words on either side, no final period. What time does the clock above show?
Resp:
**6:59:13**
